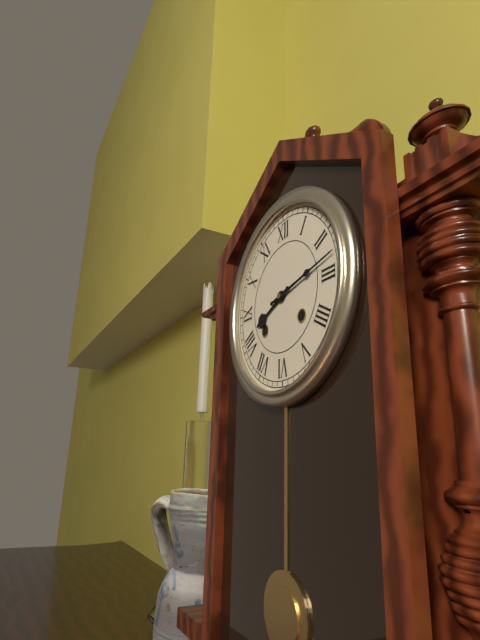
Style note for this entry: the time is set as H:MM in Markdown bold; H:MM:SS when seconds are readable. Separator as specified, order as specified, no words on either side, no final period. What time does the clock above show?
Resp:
**8:13**
